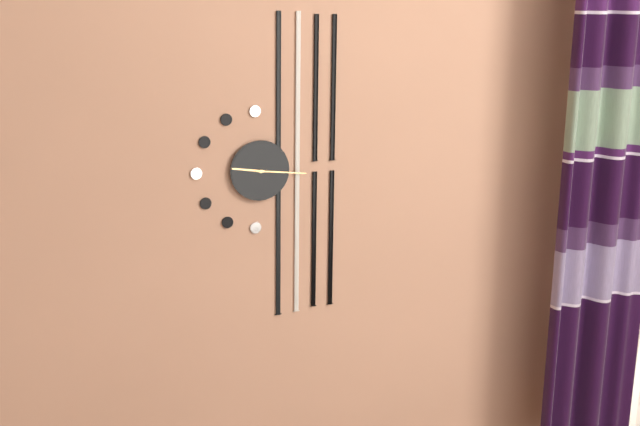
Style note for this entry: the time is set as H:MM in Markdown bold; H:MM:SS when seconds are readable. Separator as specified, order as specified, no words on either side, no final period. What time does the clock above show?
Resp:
**9:16**
